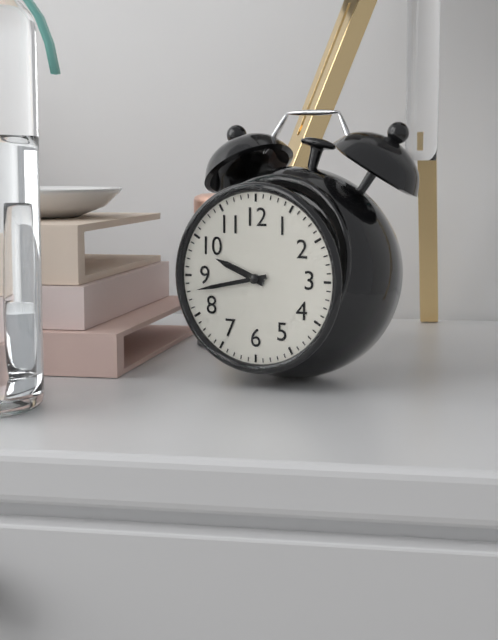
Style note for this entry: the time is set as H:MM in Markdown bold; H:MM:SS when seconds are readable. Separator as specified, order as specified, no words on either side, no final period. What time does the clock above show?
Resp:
**9:43**
